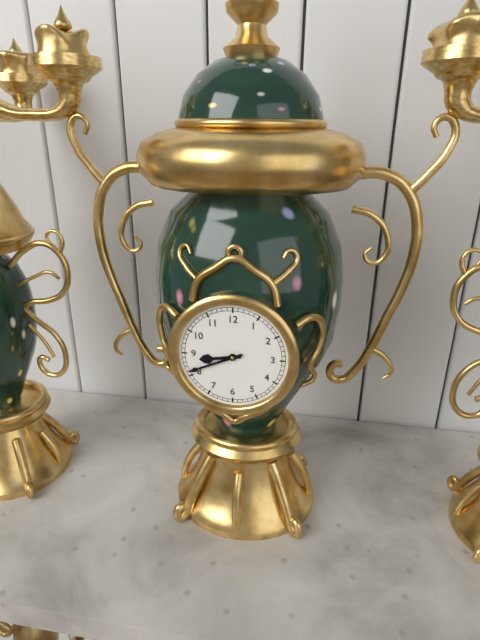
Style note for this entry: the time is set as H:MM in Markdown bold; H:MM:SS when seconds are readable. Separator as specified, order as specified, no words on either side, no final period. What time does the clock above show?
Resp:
**8:41**
